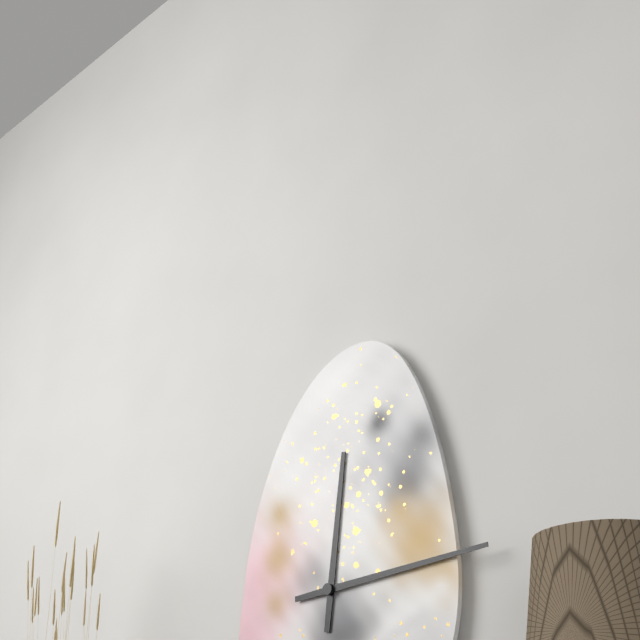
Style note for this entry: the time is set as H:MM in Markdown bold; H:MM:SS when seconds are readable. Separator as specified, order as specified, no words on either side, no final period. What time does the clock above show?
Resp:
**12:14**
